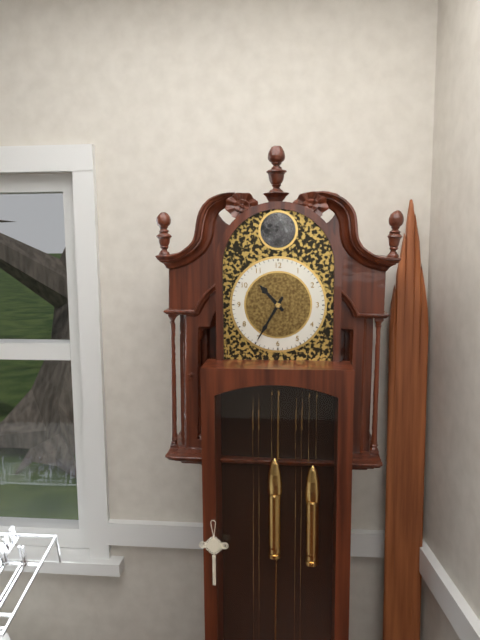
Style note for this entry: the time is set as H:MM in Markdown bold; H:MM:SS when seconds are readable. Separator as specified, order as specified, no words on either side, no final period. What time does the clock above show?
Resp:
**10:35**
